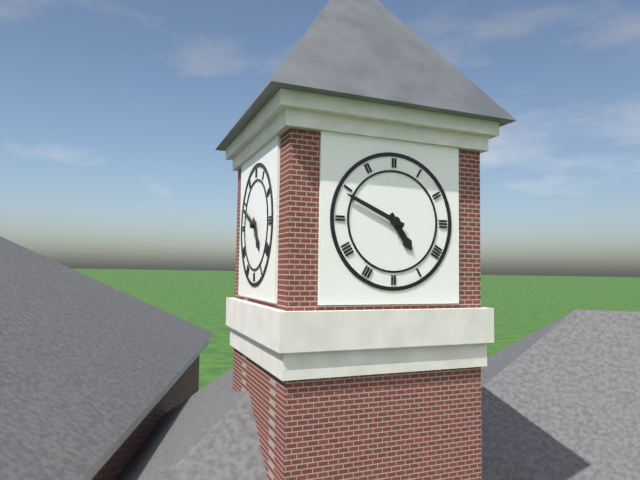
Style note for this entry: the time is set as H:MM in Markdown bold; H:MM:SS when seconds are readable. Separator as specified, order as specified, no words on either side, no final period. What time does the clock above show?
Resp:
**4:49**
